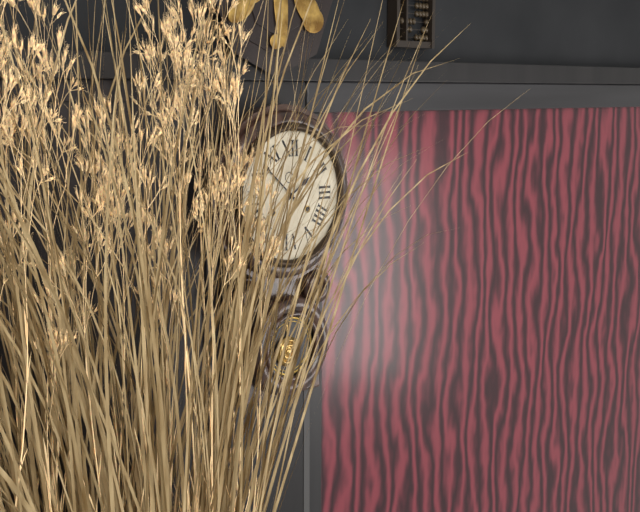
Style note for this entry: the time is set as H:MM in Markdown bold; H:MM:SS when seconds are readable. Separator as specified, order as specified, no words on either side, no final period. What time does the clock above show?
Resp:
**1:52**
